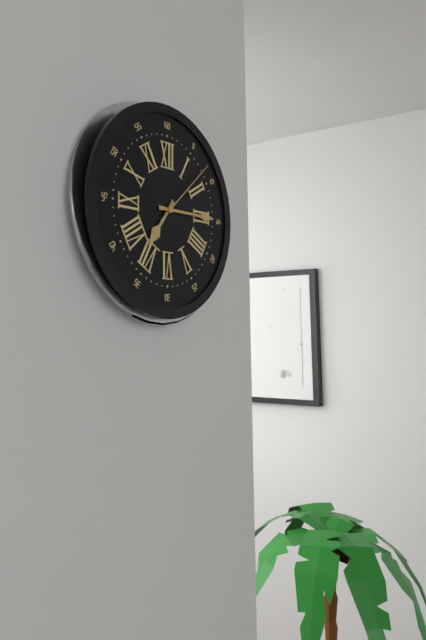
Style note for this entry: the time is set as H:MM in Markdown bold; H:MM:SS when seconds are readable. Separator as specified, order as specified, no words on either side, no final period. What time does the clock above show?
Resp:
**7:15:08**
